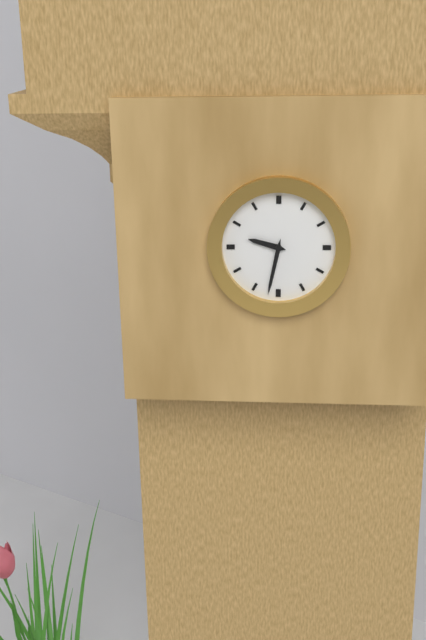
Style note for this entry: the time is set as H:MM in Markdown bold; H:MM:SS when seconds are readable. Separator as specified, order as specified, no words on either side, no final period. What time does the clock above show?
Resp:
**9:32**
